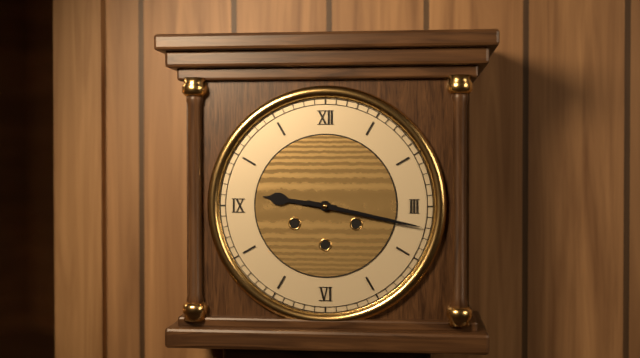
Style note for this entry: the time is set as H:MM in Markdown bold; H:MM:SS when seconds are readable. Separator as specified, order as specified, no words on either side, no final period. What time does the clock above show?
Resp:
**9:17**
